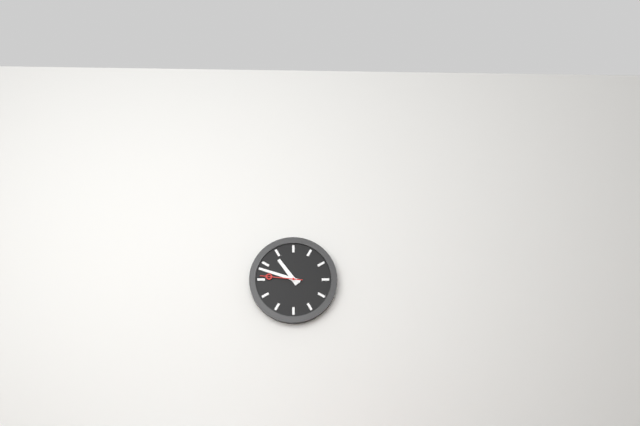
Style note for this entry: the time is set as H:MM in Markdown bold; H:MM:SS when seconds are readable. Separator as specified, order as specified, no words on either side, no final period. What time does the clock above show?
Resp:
**10:48**
